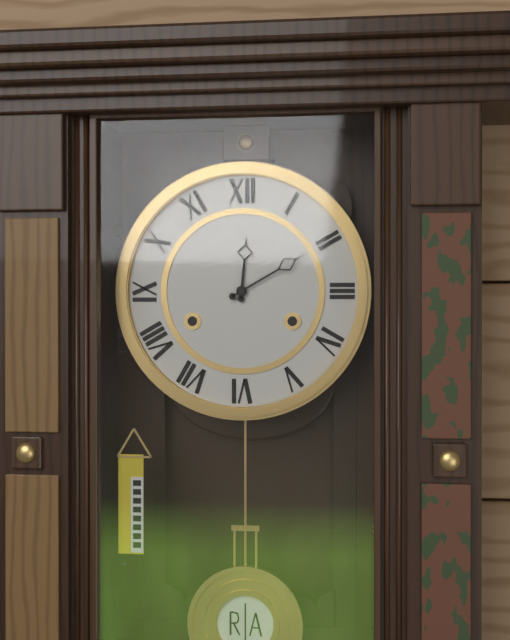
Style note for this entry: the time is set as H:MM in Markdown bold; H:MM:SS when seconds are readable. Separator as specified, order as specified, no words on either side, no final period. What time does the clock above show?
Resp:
**12:10**
